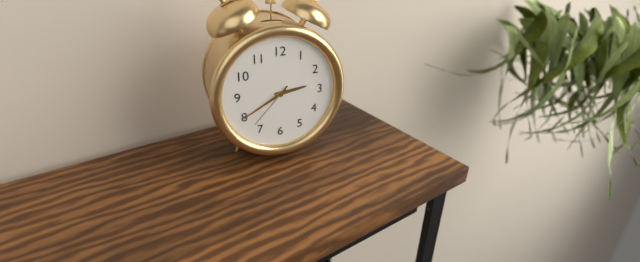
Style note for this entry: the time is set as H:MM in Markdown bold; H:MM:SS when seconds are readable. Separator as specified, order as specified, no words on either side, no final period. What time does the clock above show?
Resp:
**2:40:37**
